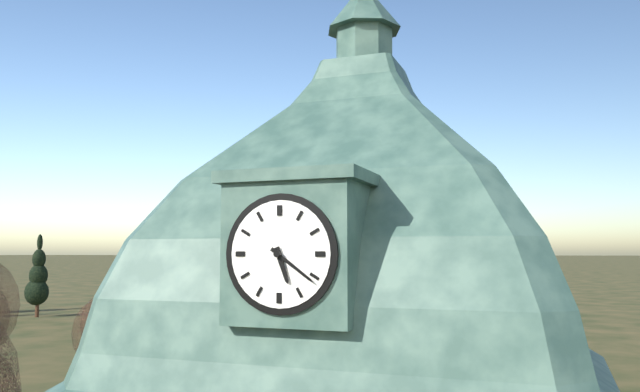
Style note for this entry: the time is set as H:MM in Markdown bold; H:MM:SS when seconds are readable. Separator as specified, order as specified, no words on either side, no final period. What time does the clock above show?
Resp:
**5:21**
